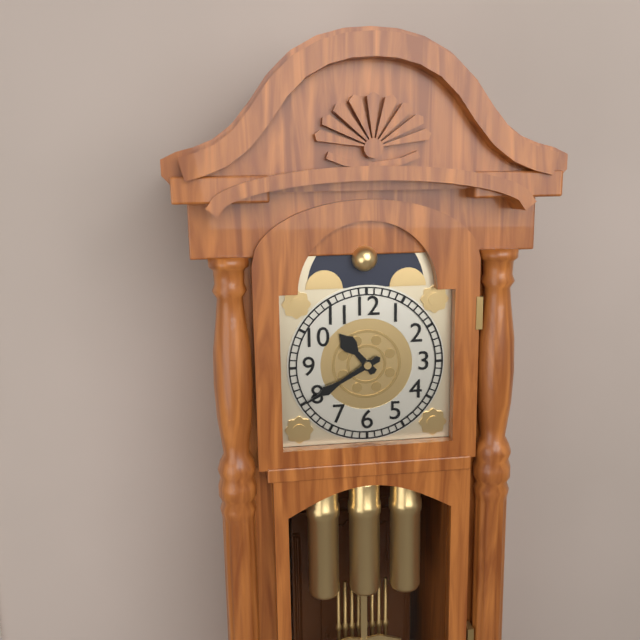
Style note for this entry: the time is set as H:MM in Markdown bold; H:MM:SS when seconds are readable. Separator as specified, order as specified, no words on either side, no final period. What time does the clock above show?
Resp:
**10:40**
